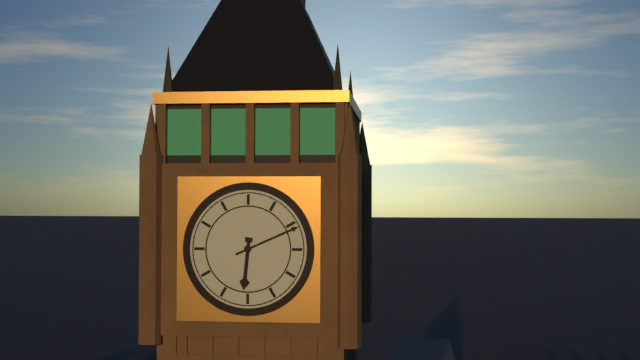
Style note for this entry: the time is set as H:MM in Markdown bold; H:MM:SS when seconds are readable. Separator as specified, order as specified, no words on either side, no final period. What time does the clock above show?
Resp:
**6:11**
